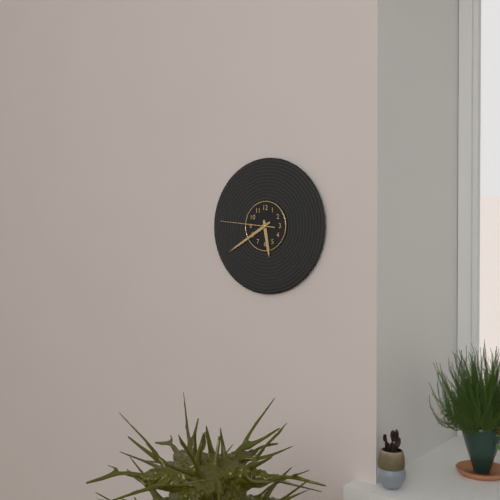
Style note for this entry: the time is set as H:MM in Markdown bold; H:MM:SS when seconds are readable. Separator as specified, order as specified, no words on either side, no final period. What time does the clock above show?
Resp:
**5:40:46**
